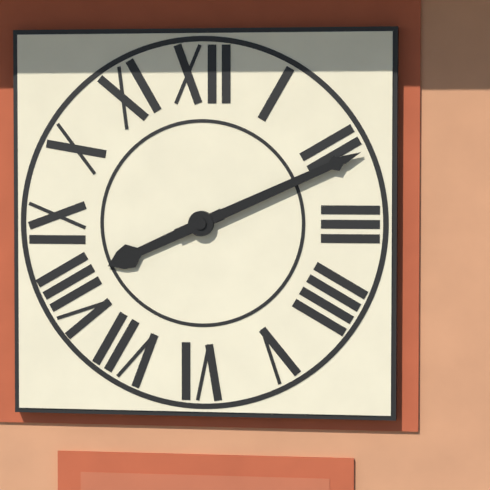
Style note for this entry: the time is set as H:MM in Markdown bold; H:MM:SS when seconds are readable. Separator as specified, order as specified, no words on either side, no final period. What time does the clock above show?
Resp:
**8:11**
